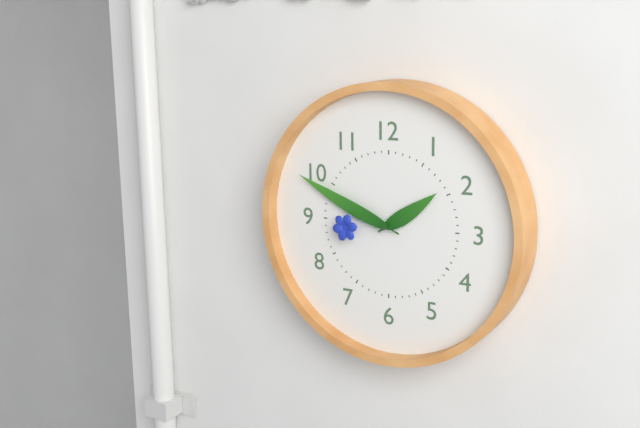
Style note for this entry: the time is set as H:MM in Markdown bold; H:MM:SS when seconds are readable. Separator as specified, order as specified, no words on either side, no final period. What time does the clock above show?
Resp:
**1:49:44**
